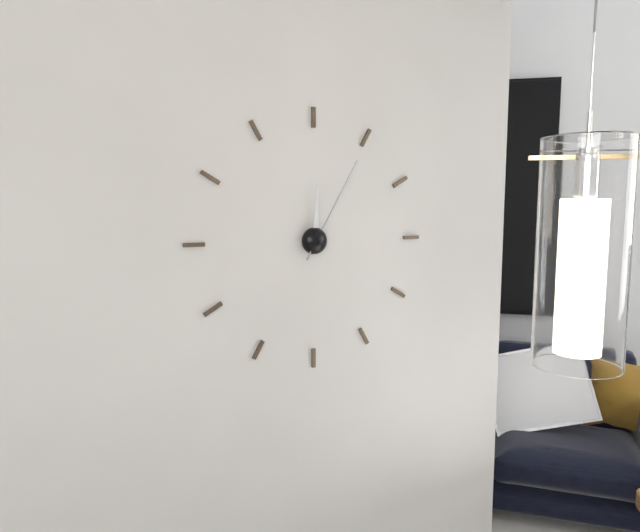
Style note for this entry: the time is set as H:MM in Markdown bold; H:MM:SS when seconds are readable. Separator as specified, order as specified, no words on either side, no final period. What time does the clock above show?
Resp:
**12:05**
